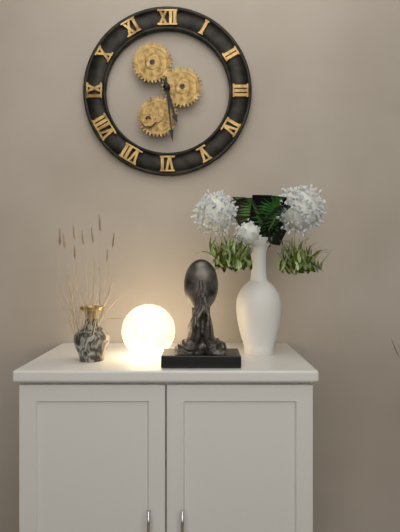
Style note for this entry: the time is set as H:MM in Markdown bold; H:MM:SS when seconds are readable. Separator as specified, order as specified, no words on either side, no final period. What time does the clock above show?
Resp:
**5:29**
